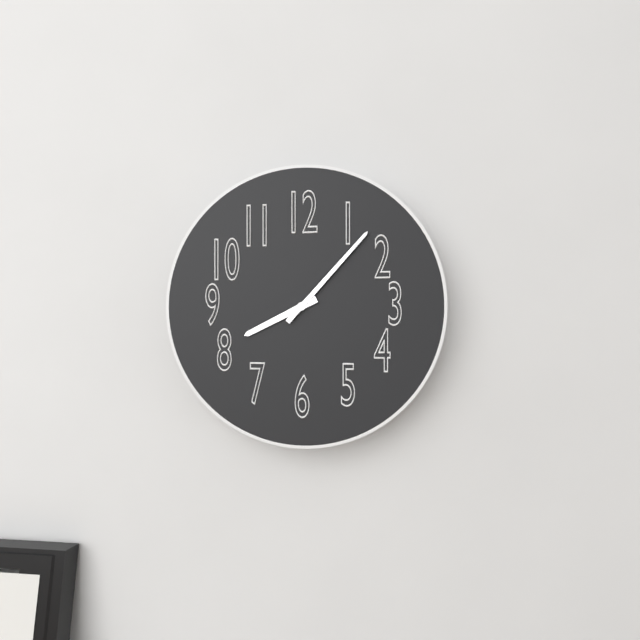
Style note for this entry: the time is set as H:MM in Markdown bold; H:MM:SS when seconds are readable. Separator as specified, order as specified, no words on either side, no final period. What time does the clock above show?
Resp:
**8:07**
